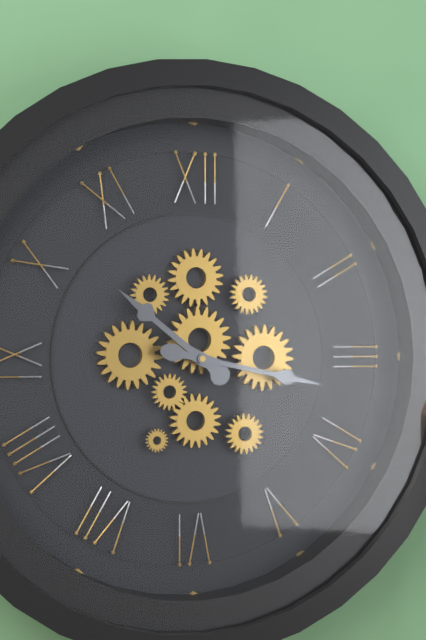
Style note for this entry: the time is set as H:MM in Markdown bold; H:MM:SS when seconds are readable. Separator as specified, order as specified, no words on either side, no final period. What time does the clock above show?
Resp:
**10:17**
